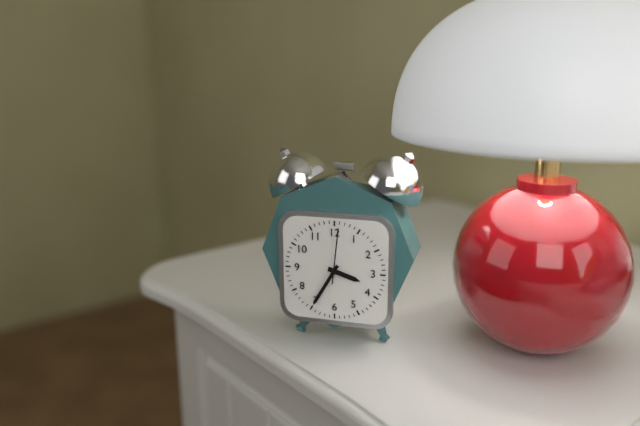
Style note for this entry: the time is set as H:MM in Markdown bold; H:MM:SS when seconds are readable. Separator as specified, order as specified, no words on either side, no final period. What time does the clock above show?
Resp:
**3:35:01**
